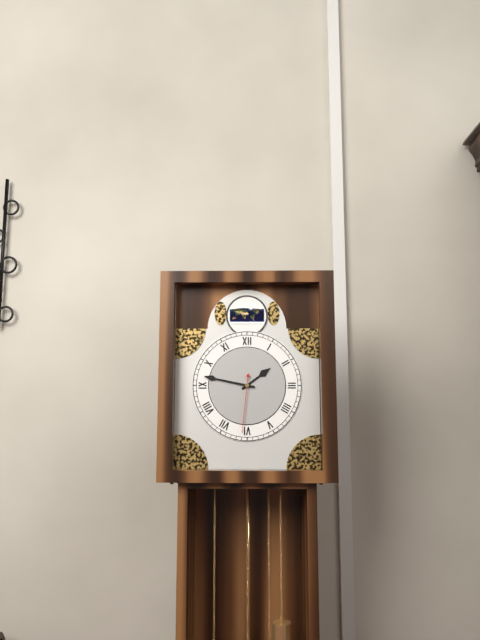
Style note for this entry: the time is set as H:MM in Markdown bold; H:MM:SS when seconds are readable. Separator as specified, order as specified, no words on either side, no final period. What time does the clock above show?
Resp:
**1:47:31**
